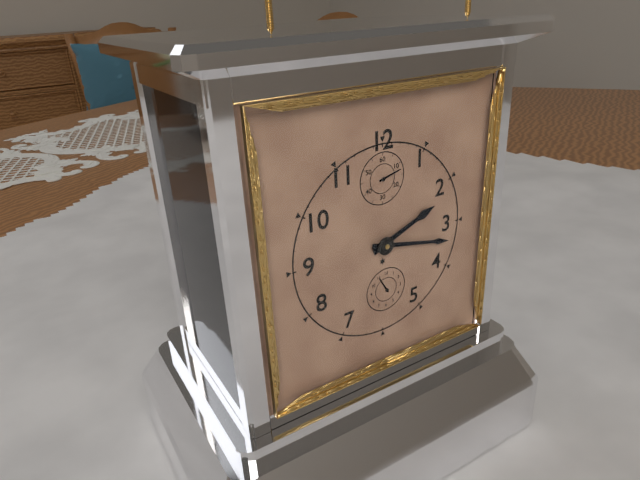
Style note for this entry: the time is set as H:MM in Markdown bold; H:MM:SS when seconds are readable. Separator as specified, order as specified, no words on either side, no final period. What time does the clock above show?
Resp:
**2:17**
